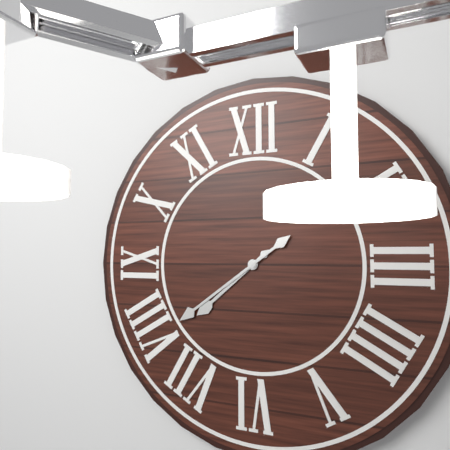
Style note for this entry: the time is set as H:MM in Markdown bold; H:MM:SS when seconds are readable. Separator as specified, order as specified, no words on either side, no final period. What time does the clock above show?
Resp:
**7:39**
